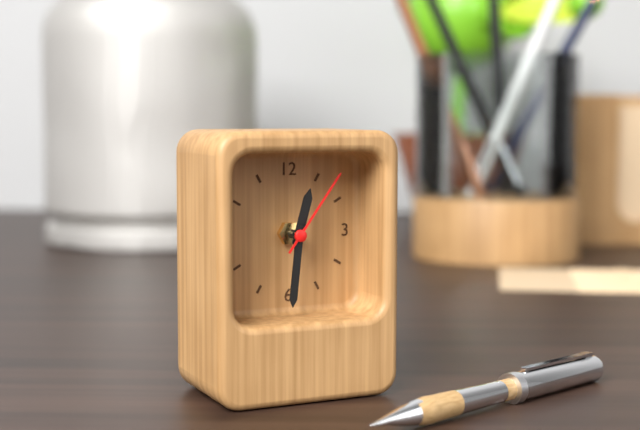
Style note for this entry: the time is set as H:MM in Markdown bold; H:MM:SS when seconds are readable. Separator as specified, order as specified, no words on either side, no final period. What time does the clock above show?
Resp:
**12:31:06**
